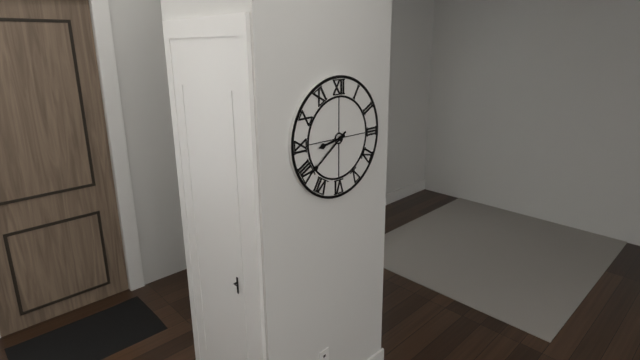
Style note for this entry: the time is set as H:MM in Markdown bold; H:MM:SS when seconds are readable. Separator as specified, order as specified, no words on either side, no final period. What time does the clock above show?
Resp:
**8:39**
